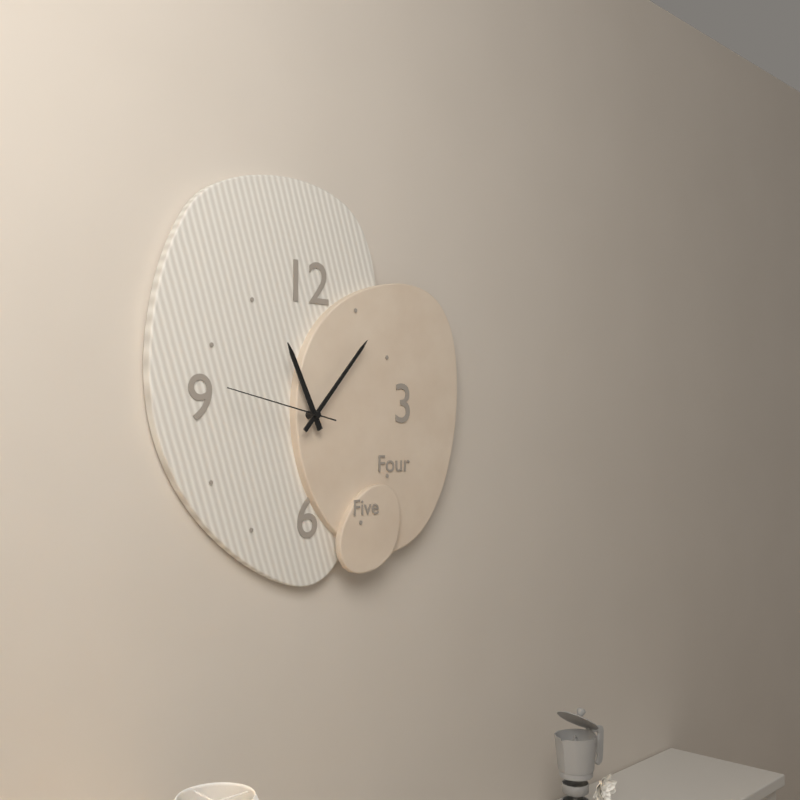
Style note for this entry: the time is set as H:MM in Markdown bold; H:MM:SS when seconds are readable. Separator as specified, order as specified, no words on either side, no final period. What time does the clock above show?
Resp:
**11:07:47**
